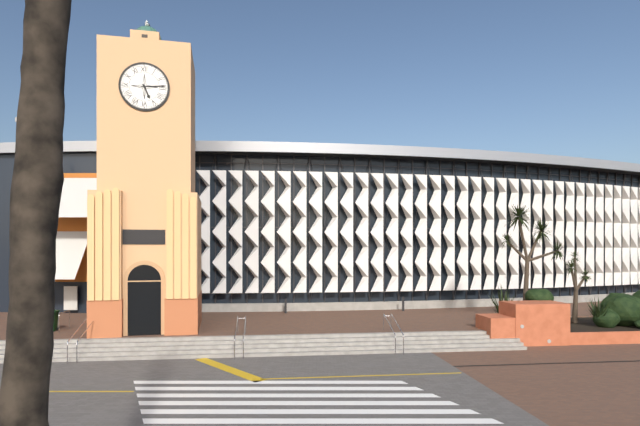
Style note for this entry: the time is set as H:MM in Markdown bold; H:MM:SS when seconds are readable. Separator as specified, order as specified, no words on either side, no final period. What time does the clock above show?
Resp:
**5:14**
